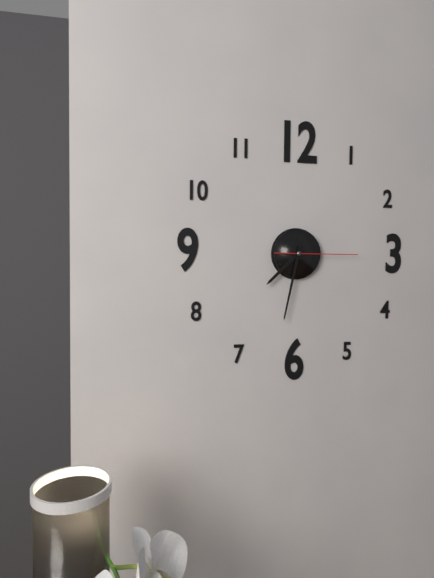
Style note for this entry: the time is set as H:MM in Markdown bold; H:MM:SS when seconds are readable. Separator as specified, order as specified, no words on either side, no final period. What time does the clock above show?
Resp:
**7:32:15**
